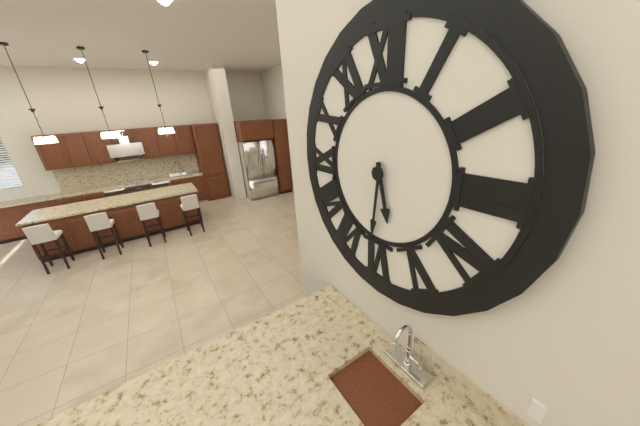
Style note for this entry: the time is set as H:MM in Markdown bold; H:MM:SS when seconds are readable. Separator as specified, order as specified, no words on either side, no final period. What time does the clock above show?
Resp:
**5:31**
